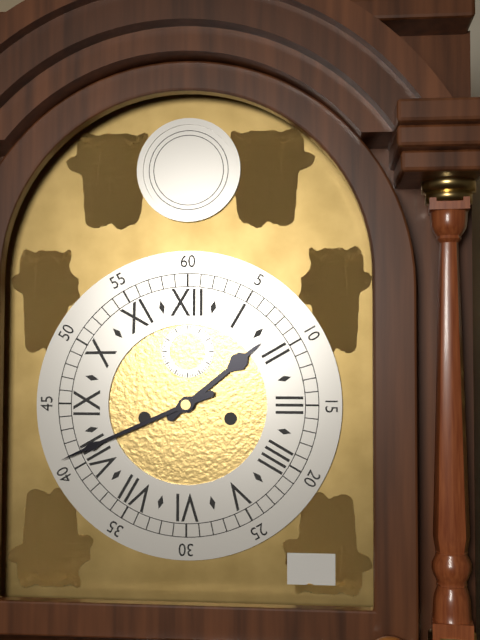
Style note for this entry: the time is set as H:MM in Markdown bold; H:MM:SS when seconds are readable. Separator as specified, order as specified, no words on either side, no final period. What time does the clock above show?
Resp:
**1:41**
